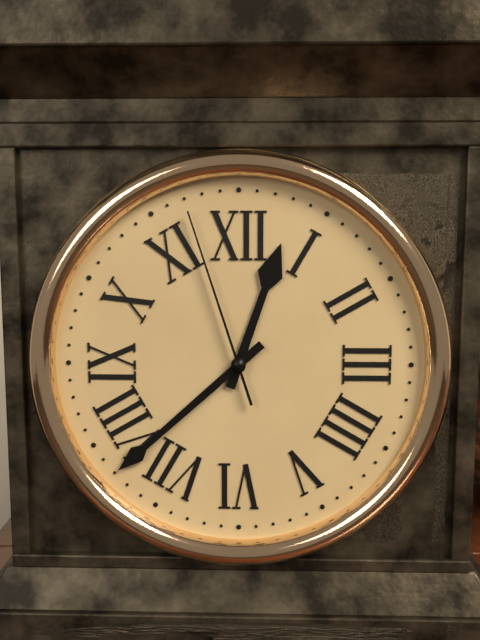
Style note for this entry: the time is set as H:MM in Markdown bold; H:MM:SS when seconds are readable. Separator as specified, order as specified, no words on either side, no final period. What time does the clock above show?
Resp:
**12:38:57**
